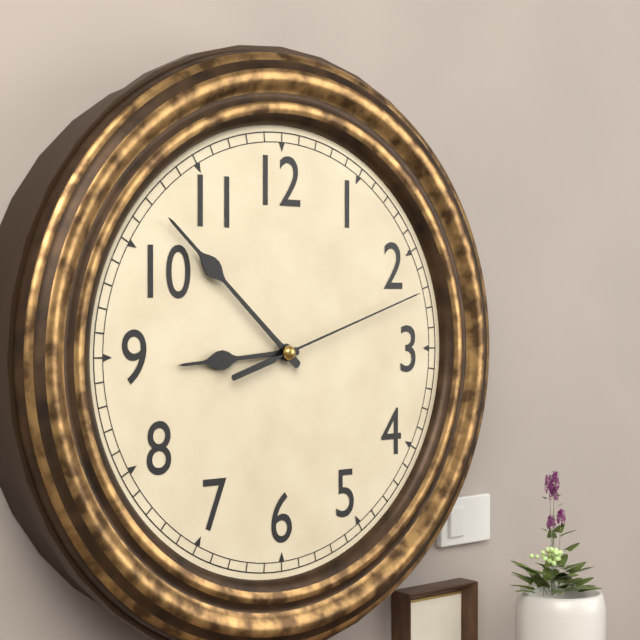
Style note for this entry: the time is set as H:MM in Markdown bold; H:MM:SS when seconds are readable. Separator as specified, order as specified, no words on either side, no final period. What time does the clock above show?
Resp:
**8:52:12**
